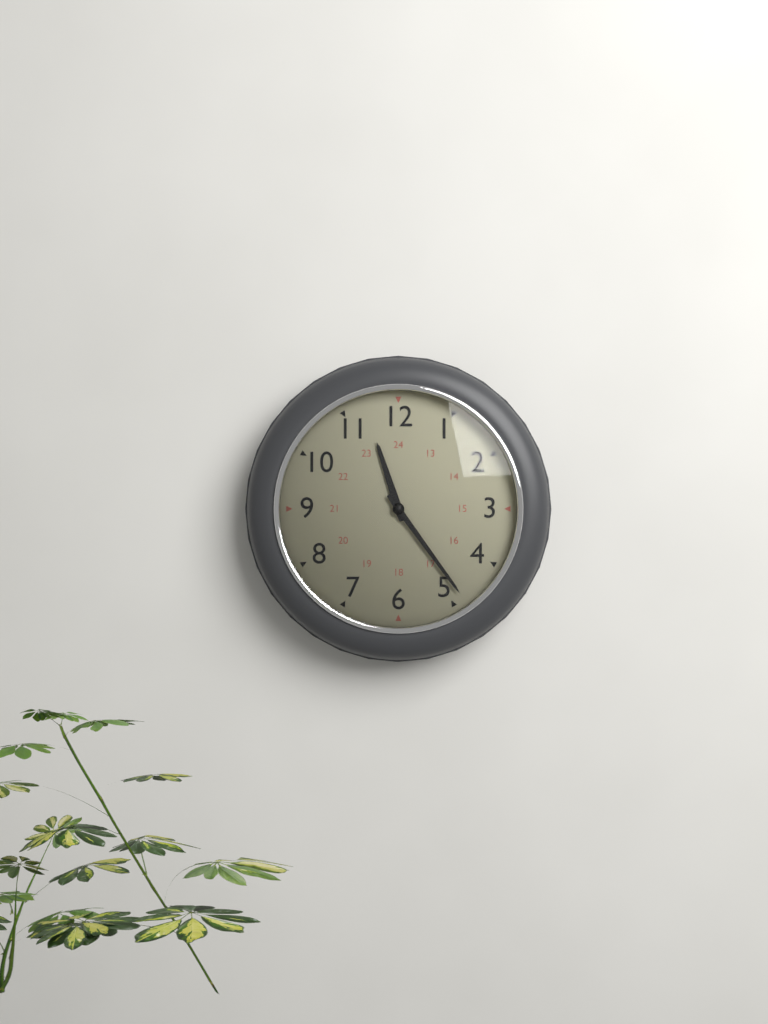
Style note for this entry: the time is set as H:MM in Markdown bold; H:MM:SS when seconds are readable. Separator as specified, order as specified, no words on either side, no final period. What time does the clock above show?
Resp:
**11:24**
